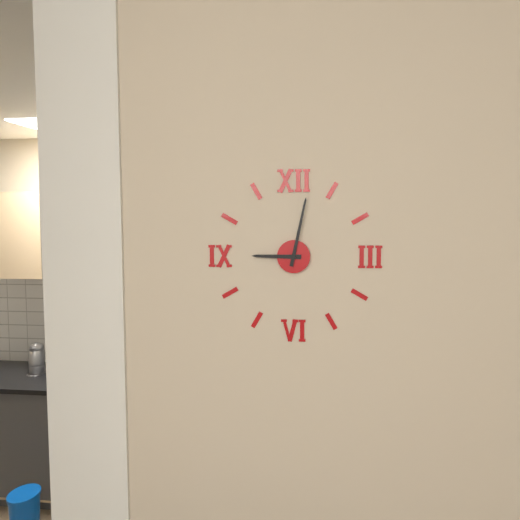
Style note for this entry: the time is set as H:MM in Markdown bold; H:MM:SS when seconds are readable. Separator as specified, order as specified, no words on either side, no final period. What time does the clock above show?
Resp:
**9:02**
